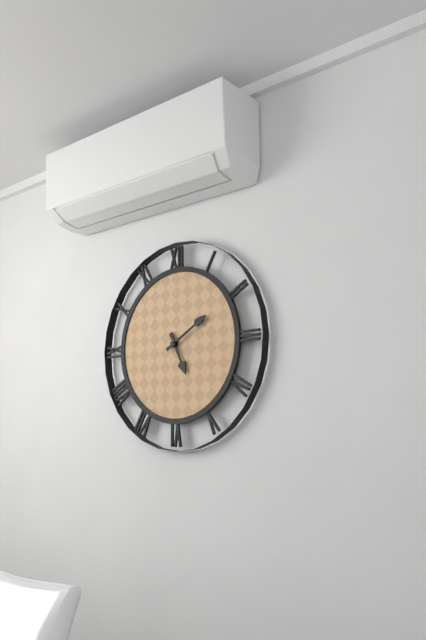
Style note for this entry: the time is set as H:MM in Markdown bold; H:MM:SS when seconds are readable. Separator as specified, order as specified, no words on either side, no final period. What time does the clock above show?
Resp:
**5:10**
